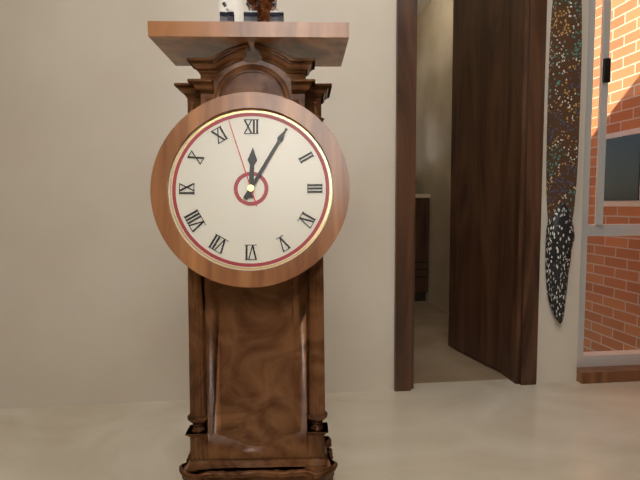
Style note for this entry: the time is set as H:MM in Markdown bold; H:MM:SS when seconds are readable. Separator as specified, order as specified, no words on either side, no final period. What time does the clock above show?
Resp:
**12:05:57**
